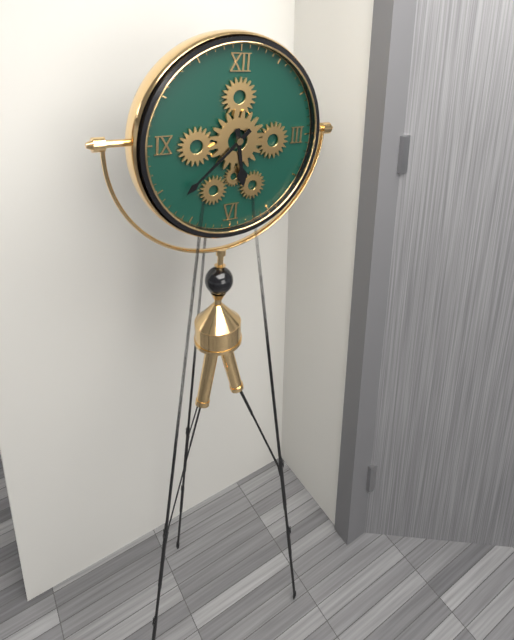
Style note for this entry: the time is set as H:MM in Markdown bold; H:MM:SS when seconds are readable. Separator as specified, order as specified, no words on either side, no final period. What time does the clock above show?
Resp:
**5:38**
